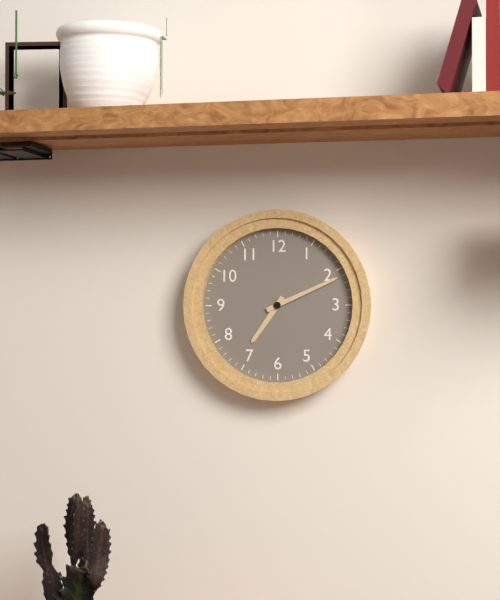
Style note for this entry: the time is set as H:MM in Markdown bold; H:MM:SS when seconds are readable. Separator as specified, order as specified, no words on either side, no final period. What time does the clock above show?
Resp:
**7:11**
